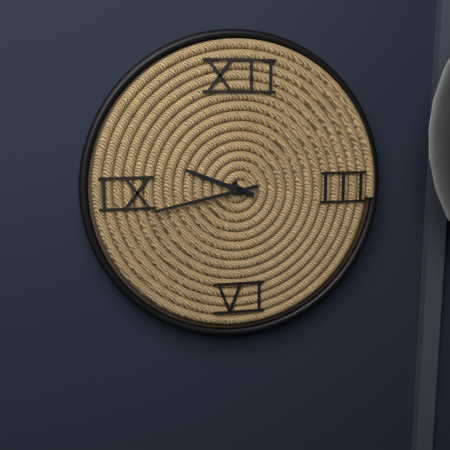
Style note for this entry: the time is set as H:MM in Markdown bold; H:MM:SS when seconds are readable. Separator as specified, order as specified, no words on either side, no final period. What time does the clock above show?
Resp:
**9:43**
